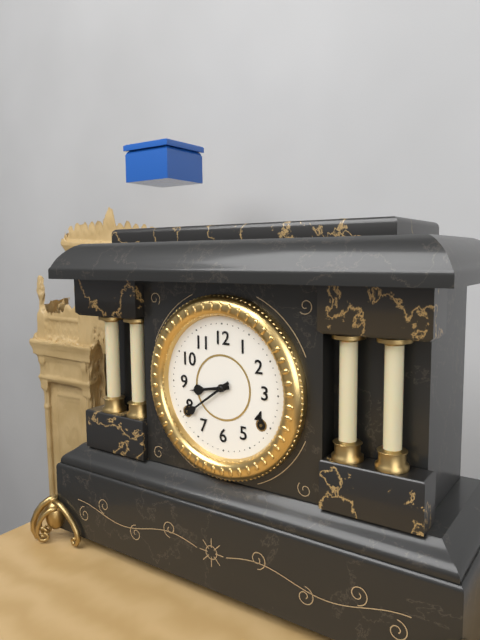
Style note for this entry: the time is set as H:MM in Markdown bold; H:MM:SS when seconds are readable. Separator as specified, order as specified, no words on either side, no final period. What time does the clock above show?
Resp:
**8:39**
